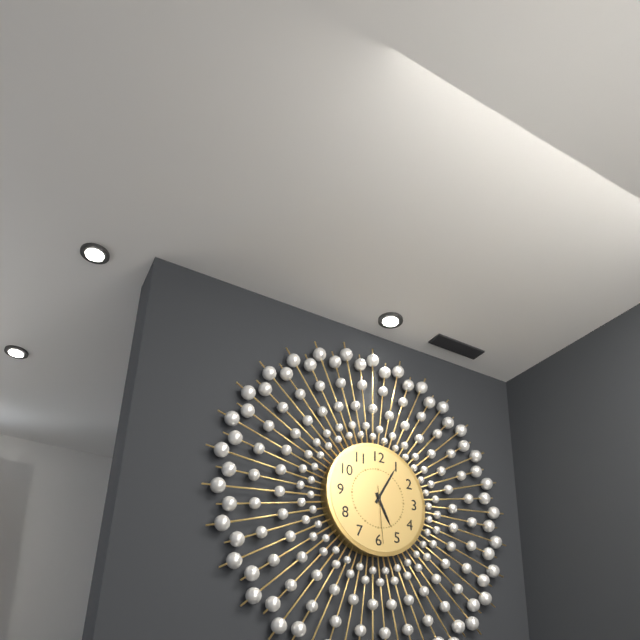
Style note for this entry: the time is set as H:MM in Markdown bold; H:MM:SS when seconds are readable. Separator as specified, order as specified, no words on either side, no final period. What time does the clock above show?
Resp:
**5:05:29**
